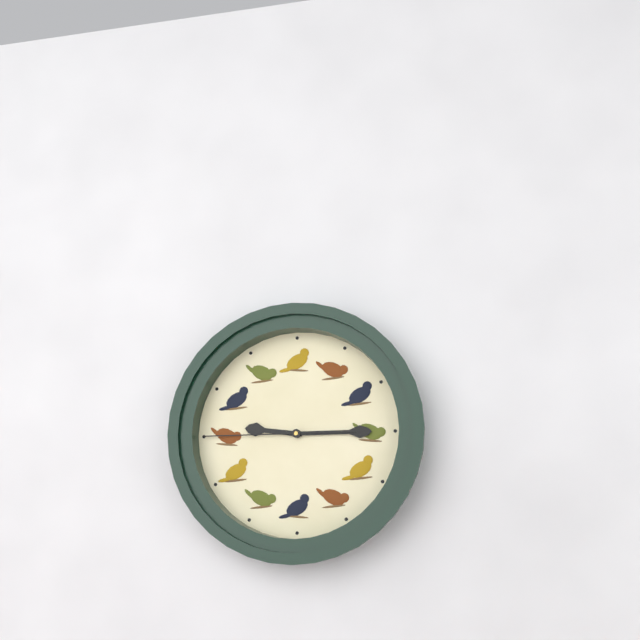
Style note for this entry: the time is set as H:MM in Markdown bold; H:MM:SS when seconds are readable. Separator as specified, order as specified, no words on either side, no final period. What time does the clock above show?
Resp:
**9:15:45**
